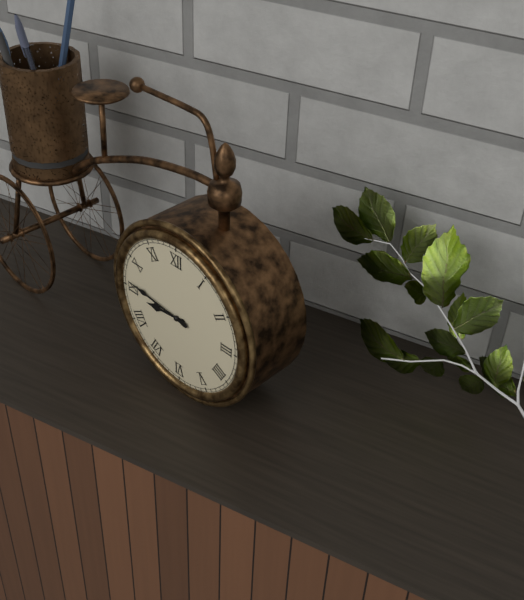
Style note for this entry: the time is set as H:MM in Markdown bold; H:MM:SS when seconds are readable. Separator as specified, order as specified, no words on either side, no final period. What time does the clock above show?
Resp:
**8:46**
